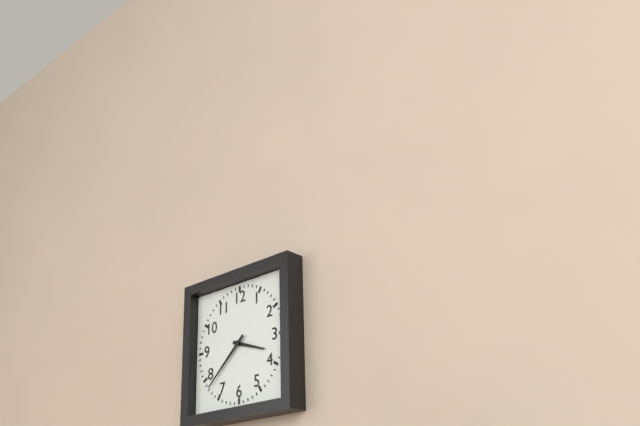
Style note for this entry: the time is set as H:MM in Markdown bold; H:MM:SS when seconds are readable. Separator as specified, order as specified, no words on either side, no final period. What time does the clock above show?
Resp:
**3:38**
